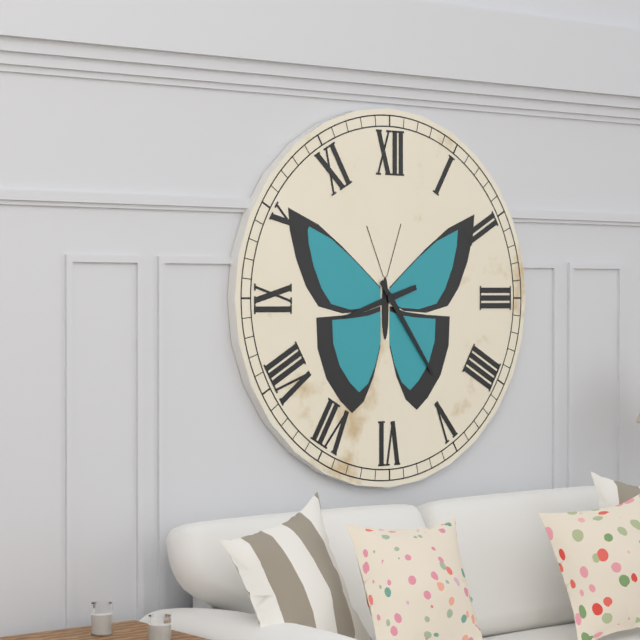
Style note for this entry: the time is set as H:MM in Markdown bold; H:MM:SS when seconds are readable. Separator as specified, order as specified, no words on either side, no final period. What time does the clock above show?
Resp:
**8:24**
